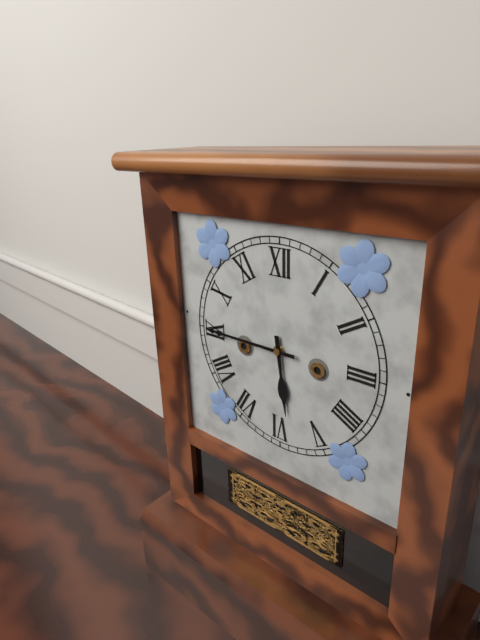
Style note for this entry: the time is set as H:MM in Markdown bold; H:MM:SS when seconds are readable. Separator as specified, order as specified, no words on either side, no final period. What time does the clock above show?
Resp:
**5:45**
